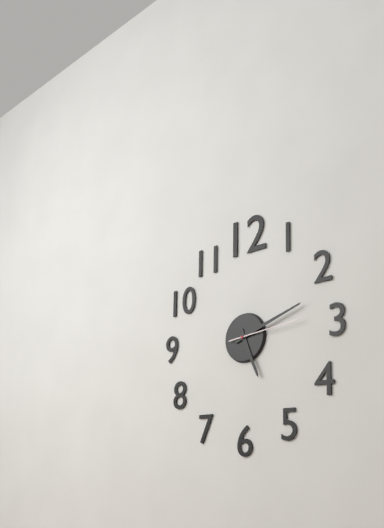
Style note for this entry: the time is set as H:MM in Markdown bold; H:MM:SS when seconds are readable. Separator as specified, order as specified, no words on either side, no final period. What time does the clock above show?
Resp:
**5:12:14**
